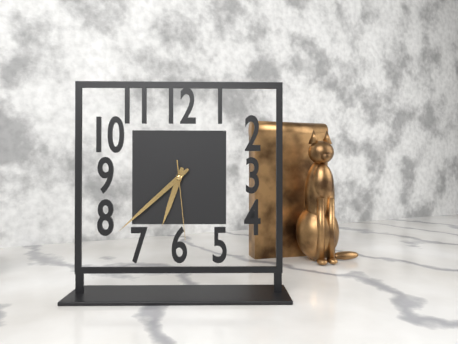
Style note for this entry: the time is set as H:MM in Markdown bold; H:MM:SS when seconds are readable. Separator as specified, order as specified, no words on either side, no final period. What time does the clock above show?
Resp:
**6:38:29**
